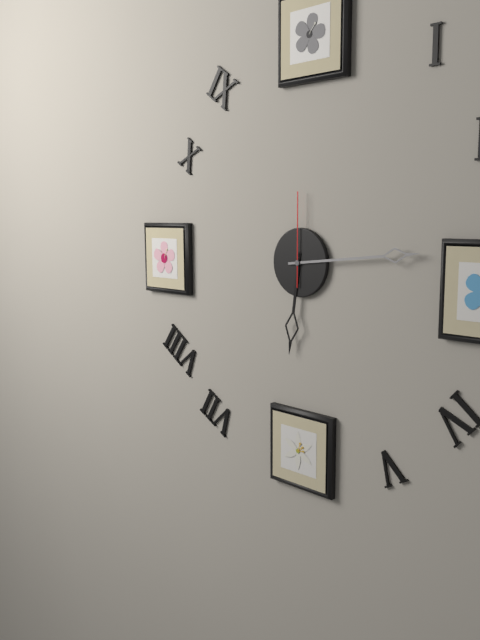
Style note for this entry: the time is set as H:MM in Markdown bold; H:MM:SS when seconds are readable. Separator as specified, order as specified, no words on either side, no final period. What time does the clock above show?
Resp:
**6:14:00**
